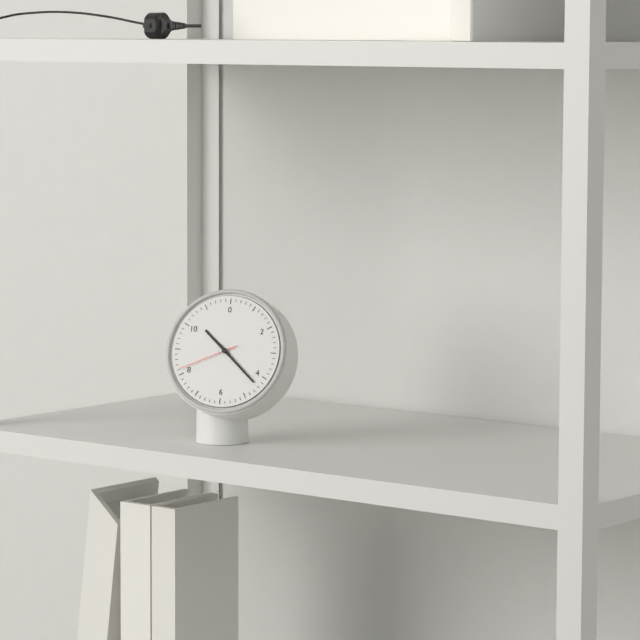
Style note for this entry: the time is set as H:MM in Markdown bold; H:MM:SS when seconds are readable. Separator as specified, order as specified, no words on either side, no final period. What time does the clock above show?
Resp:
**10:22:41**
